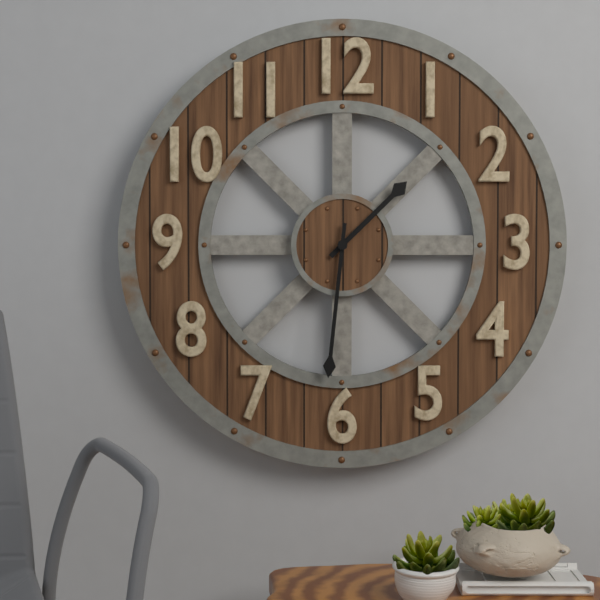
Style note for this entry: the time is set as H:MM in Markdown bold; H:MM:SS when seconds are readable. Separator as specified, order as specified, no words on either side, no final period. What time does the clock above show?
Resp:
**1:31**
